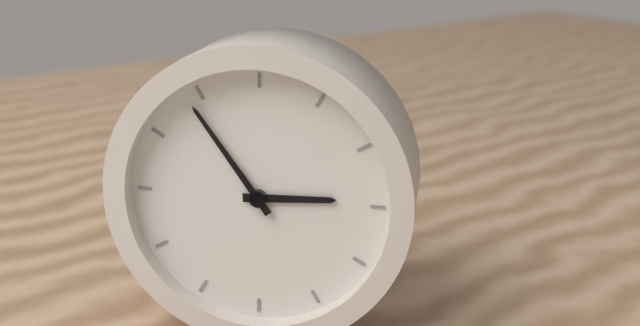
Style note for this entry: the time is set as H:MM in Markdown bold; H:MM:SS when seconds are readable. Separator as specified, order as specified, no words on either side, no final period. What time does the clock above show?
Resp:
**2:54**
